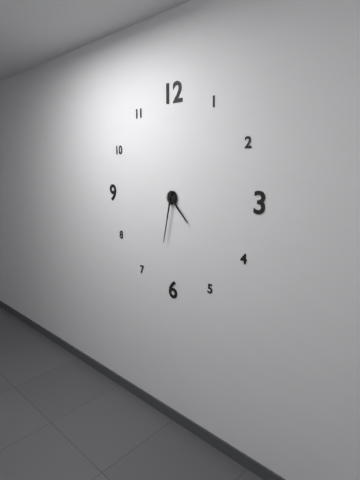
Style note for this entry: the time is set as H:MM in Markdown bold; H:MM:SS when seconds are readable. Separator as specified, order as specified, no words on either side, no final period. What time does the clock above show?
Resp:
**4:32**
